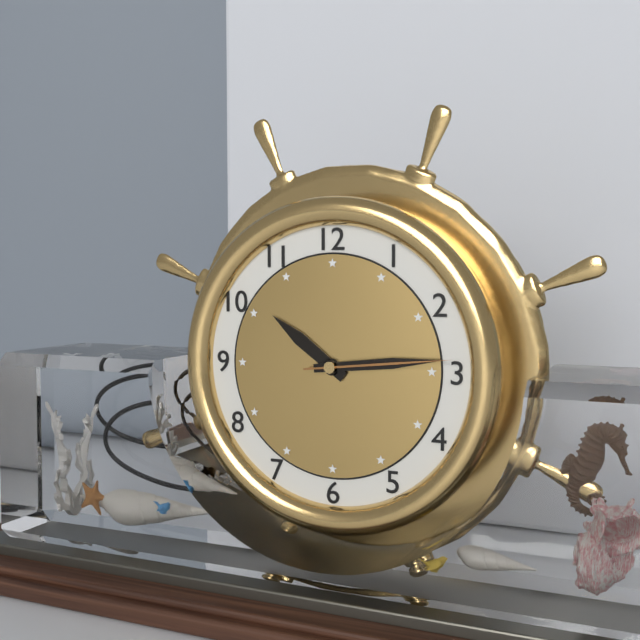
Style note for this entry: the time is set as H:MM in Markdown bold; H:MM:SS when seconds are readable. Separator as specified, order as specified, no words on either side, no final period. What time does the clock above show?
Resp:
**10:14:14**
